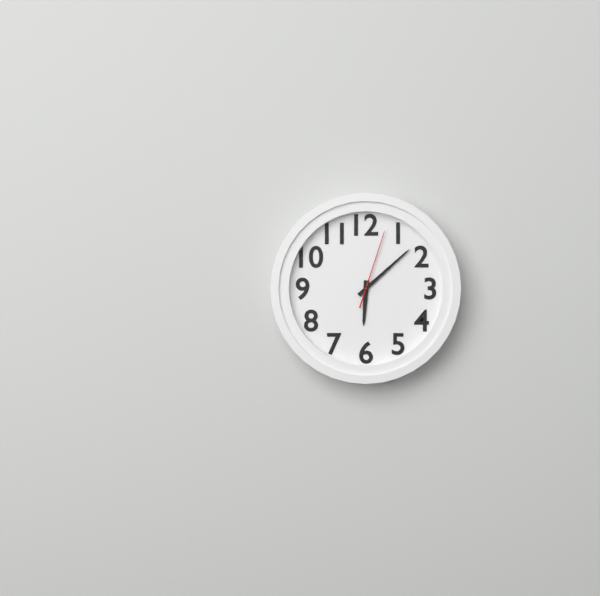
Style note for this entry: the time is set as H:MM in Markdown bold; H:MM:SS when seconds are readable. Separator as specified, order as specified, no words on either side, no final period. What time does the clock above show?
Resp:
**6:08:03**
